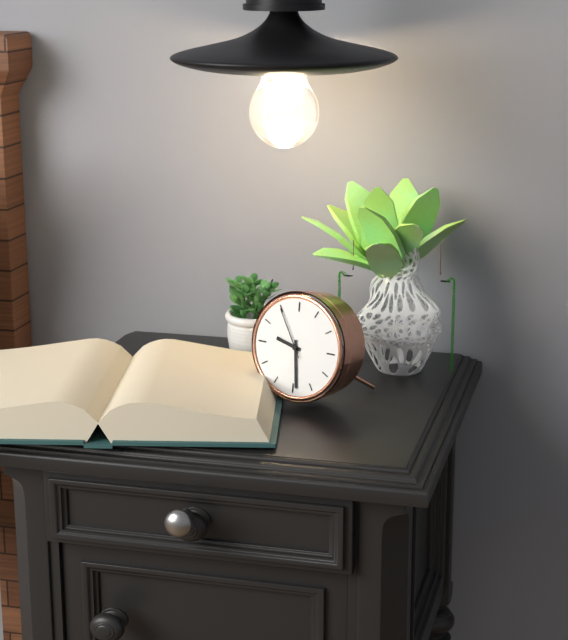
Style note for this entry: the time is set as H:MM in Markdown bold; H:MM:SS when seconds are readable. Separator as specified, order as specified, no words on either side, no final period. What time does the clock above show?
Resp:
**9:29:55**
